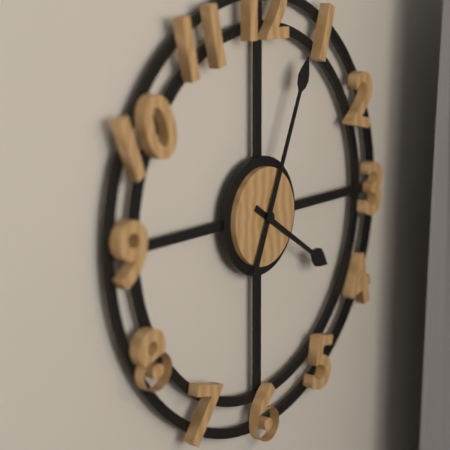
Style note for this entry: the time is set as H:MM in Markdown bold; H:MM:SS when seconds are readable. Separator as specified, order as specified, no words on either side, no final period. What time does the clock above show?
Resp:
**4:04**
